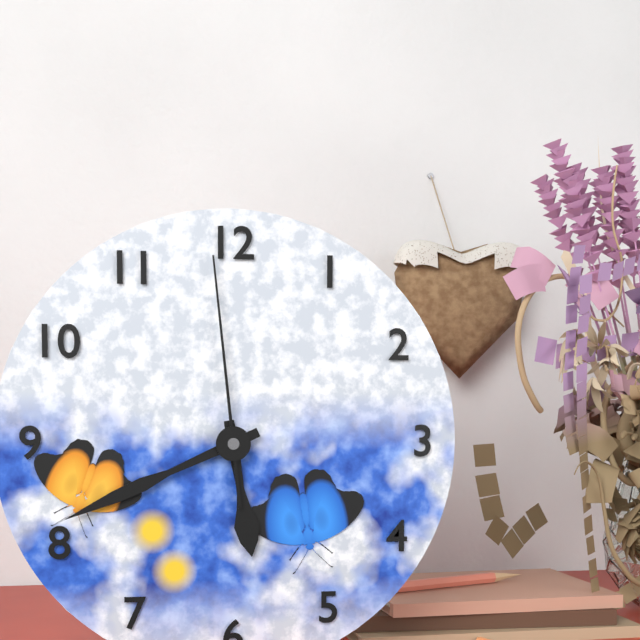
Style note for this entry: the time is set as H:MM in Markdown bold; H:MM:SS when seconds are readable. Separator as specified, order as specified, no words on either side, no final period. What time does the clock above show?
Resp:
**5:41:59**
